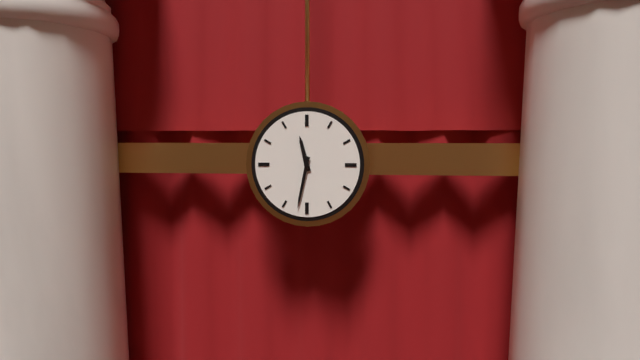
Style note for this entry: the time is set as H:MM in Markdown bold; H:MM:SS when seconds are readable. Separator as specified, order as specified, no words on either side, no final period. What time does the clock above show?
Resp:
**11:32**
